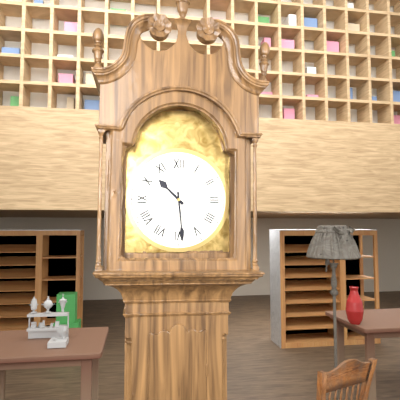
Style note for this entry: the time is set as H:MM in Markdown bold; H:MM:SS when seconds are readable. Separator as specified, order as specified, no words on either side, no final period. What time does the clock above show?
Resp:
**10:29**
